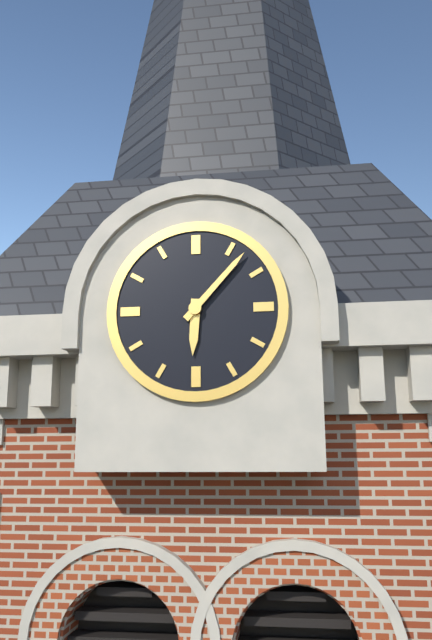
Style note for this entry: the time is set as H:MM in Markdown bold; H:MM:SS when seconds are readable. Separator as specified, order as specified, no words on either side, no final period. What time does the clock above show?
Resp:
**6:07**
